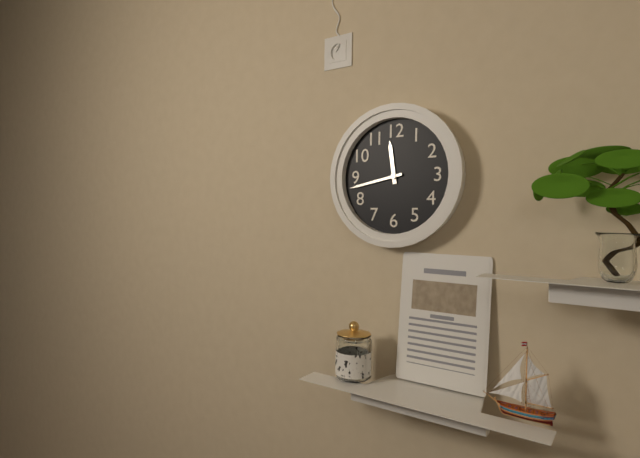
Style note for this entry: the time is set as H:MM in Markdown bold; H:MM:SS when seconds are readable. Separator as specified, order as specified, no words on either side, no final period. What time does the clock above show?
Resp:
**11:43**
